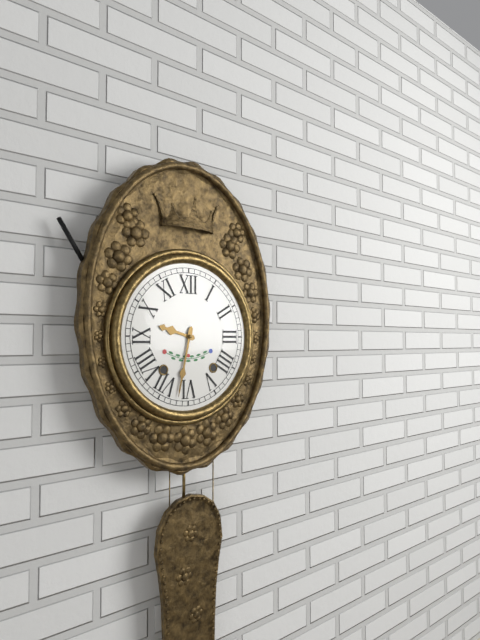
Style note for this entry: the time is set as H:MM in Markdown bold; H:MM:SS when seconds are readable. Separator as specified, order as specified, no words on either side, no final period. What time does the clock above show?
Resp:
**9:32**
